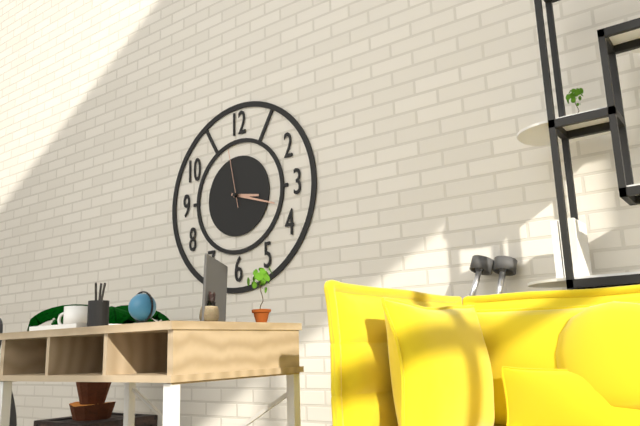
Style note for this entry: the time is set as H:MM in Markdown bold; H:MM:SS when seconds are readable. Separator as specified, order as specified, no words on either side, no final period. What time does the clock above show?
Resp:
**3:18:58**
